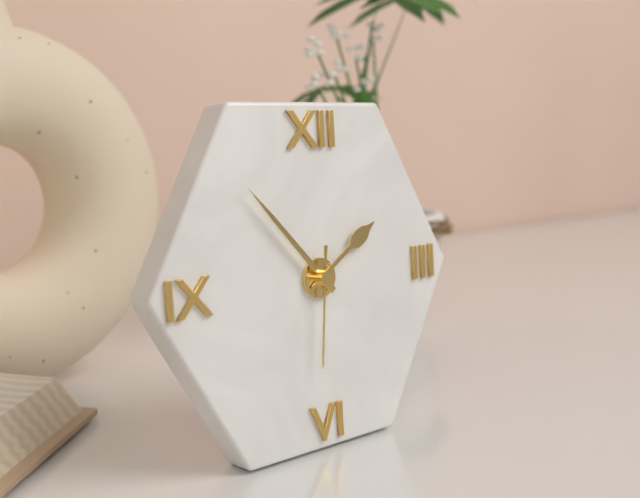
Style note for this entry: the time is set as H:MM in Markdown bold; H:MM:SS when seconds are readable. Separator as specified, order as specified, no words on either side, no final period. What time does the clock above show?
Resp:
**1:53:31**
